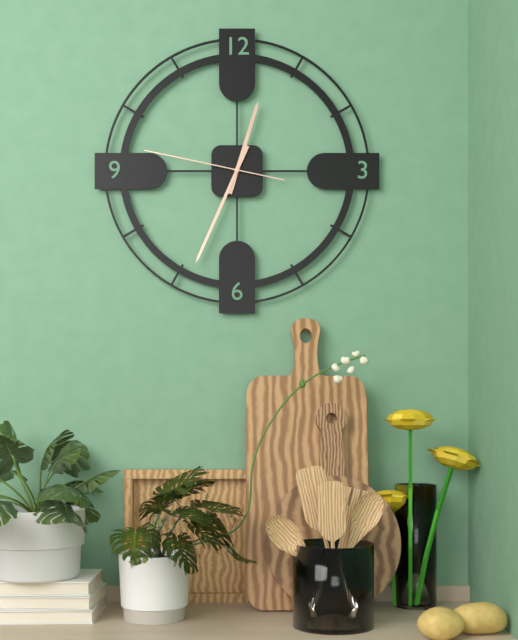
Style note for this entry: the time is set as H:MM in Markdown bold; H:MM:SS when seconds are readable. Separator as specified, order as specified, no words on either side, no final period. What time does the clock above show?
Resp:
**12:34:47**
